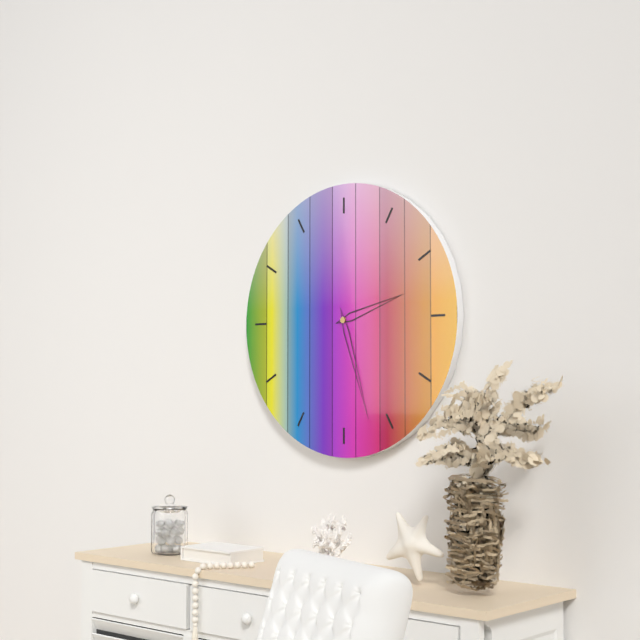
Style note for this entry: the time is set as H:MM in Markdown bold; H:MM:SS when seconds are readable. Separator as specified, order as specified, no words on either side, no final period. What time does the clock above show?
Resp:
**2:27**
